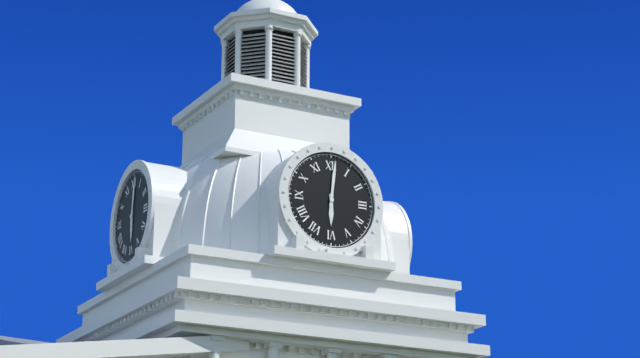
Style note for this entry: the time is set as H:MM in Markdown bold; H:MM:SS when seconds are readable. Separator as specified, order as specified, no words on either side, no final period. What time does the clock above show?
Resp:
**6:01**
